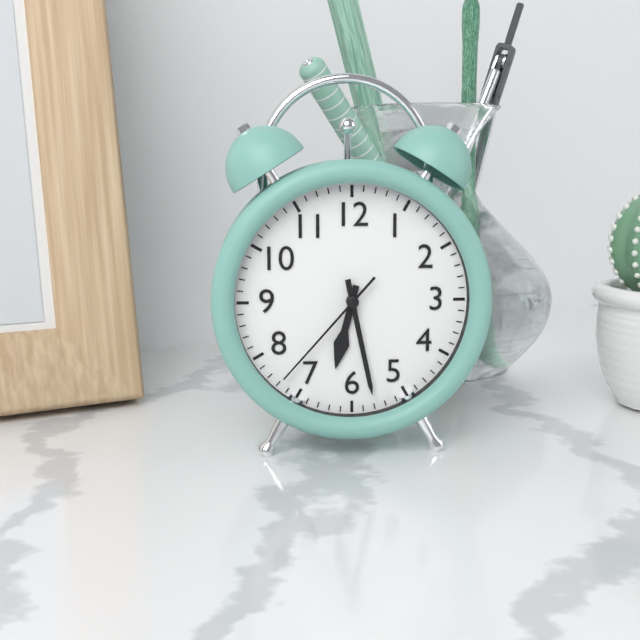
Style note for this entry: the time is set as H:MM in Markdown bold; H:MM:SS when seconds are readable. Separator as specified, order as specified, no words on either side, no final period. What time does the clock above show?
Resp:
**6:28:37**
